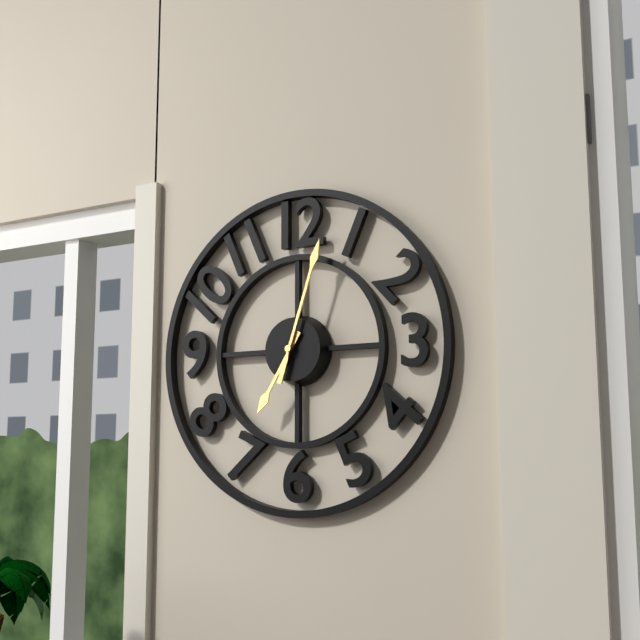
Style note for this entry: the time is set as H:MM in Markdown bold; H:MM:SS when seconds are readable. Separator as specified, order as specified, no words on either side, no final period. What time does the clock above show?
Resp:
**7:03**
